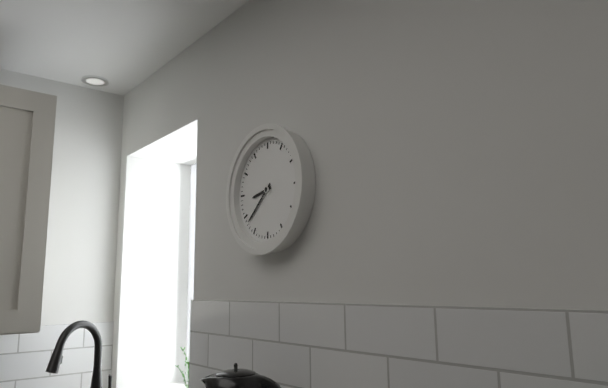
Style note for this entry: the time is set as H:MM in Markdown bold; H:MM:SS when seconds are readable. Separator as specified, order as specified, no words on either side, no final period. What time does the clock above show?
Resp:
**8:38**
